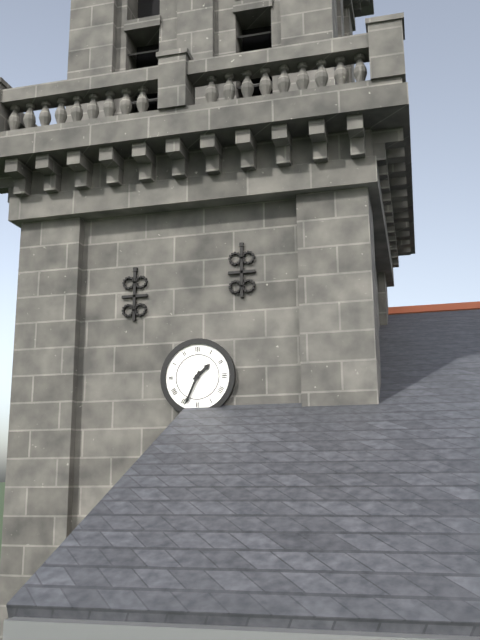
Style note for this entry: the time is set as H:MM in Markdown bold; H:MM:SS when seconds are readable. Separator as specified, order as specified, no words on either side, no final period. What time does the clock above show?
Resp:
**1:34**
